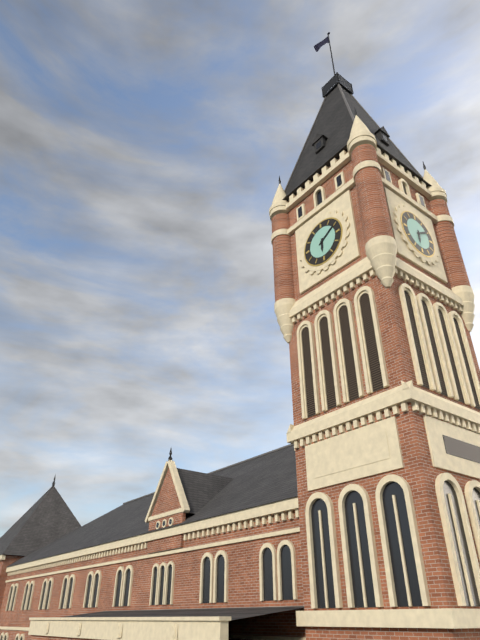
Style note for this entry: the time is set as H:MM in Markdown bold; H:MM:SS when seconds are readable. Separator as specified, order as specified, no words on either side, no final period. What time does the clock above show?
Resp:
**6:10**
